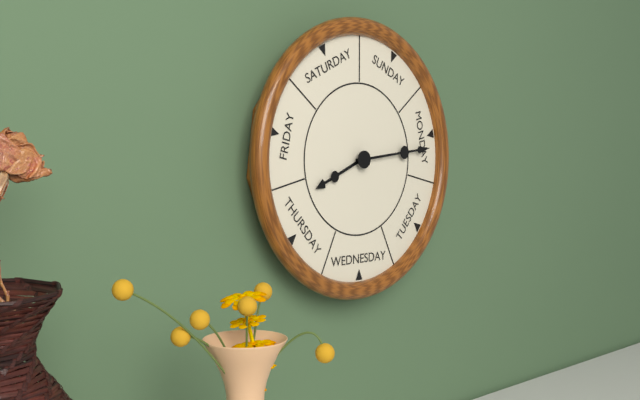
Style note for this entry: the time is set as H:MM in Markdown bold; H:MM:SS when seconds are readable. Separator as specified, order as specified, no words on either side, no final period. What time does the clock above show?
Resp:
**8:14**
